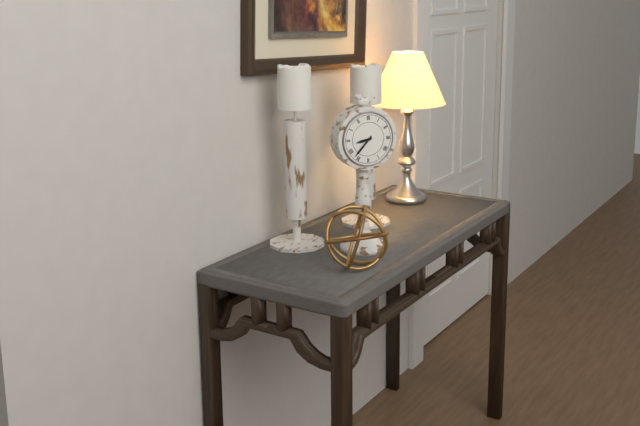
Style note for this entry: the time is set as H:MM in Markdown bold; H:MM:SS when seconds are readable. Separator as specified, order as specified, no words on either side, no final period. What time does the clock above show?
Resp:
**8:37**
